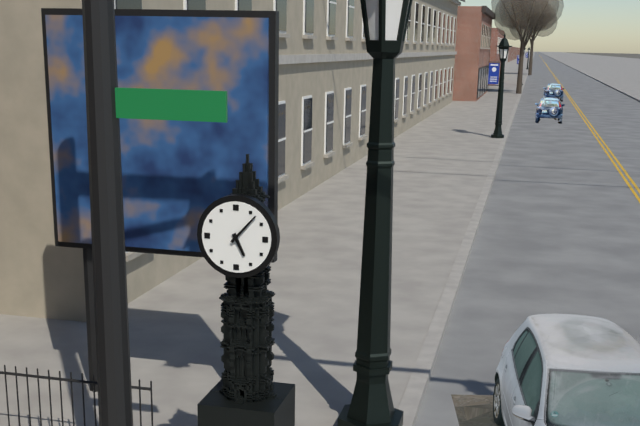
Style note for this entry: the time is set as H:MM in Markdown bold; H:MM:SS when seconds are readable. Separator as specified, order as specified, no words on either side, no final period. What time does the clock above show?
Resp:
**5:07**
